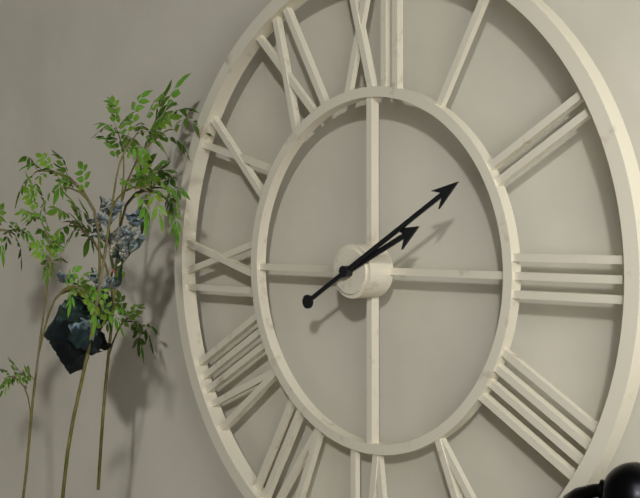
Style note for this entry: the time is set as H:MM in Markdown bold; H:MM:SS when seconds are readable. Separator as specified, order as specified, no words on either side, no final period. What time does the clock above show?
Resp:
**2:10**
